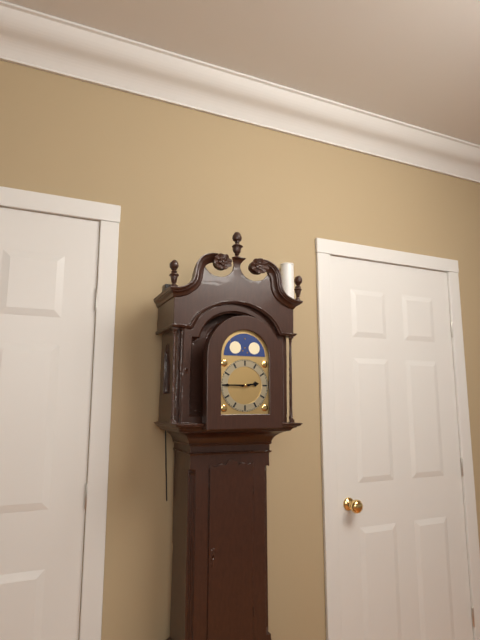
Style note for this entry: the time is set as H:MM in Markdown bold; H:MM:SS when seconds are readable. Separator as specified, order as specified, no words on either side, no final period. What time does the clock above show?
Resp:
**2:45**
